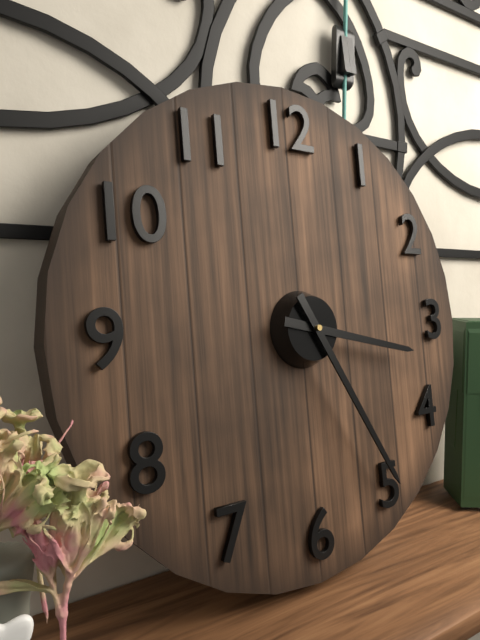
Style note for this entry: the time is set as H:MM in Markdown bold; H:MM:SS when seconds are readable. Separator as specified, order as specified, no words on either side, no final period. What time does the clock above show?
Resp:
**3:25**
